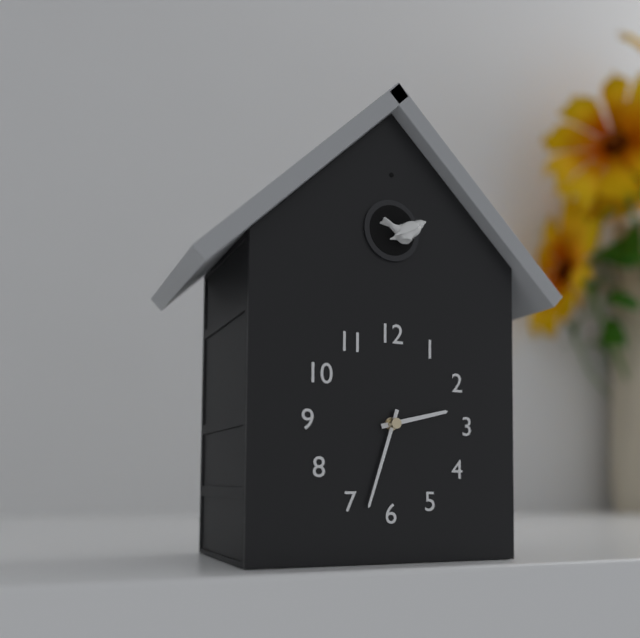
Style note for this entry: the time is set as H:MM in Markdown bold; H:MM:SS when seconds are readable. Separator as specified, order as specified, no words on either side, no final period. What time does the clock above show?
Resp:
**2:33**
